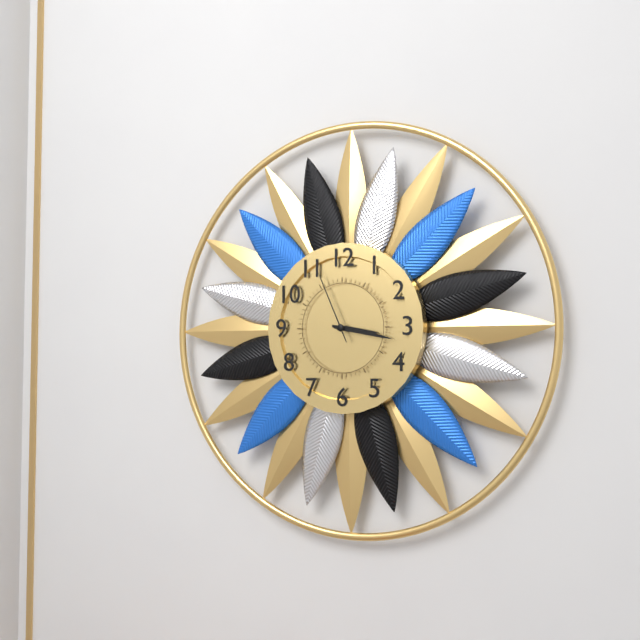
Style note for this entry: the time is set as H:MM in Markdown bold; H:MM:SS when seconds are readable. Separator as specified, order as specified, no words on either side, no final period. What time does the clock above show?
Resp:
**3:17:56**
